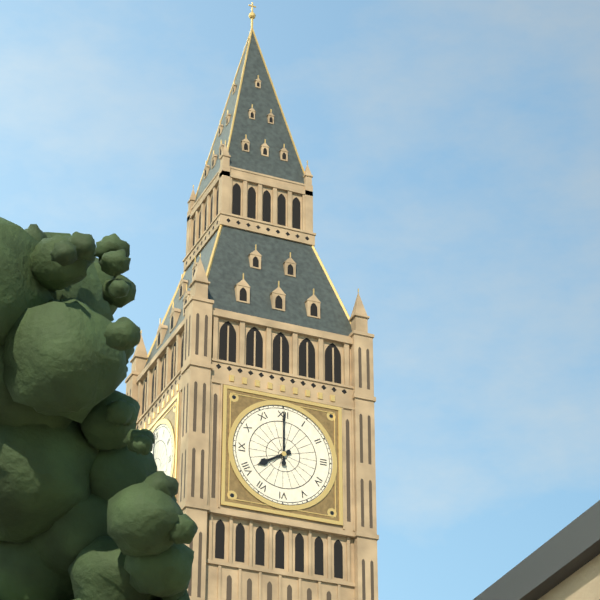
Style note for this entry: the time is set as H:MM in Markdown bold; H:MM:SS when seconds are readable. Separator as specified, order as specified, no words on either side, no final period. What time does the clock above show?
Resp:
**8:00**
